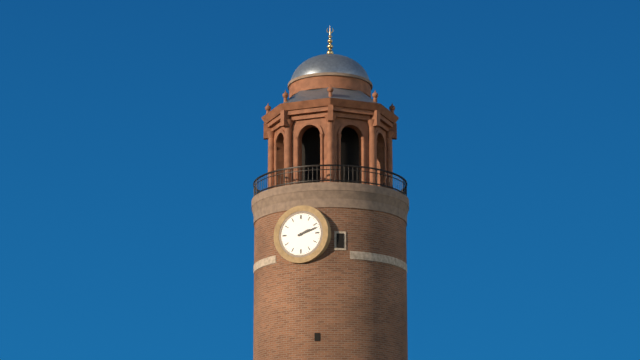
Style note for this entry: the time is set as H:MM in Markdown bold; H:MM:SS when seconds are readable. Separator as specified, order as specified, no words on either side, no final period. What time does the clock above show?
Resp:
**2:12**
